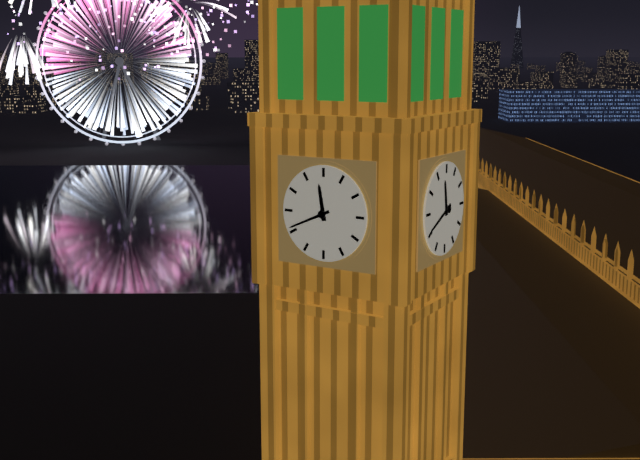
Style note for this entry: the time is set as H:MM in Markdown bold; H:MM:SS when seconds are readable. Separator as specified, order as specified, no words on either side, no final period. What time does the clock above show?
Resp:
**11:41**
